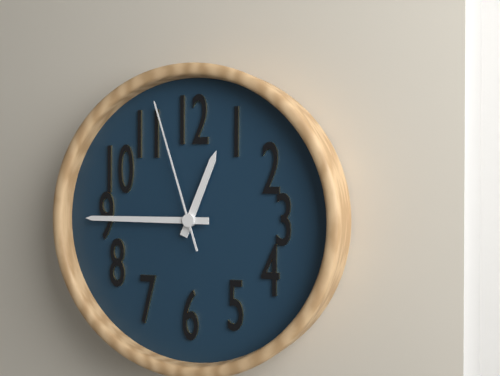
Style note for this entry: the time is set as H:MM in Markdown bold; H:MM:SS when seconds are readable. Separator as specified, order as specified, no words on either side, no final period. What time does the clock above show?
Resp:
**12:45:57**
